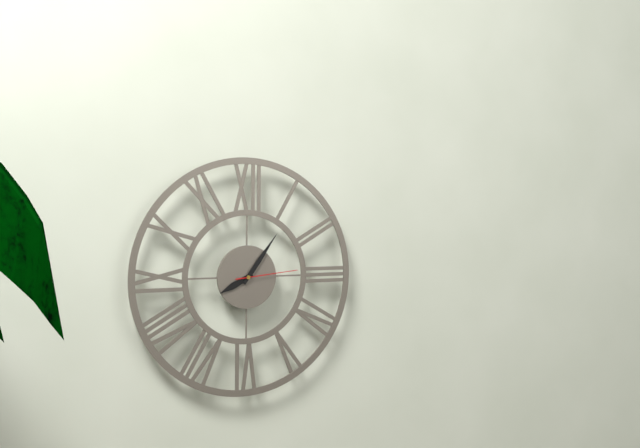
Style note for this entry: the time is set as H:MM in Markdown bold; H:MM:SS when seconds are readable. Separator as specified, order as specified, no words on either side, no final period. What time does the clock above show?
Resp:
**8:06:14**
